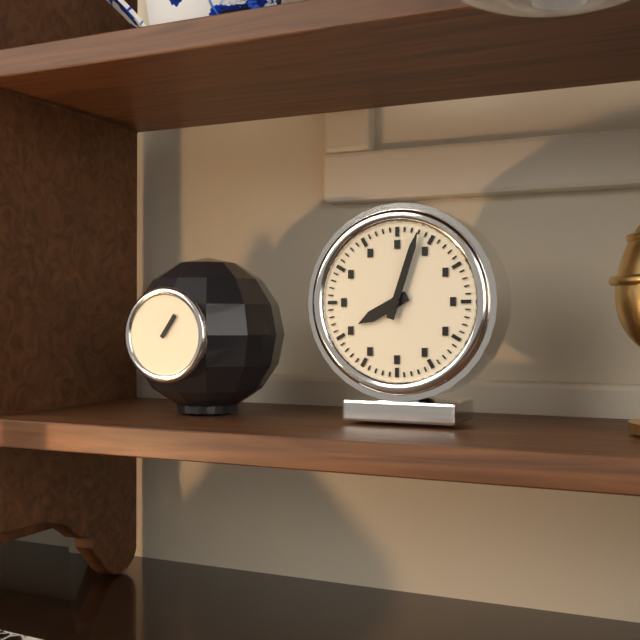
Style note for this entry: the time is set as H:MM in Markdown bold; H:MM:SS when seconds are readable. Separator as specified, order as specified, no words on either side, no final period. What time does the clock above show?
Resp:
**8:03**
